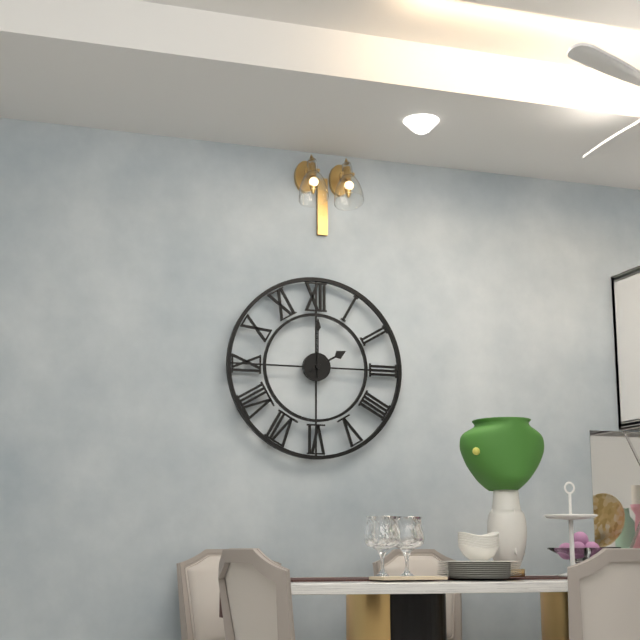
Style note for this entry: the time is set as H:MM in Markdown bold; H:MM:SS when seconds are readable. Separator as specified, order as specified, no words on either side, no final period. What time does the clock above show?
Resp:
**2:00**
